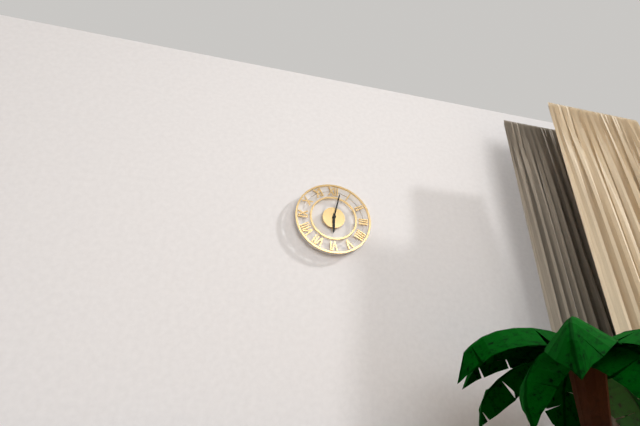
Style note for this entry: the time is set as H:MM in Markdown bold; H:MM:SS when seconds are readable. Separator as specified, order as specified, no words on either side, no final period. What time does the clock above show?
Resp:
**6:02**
